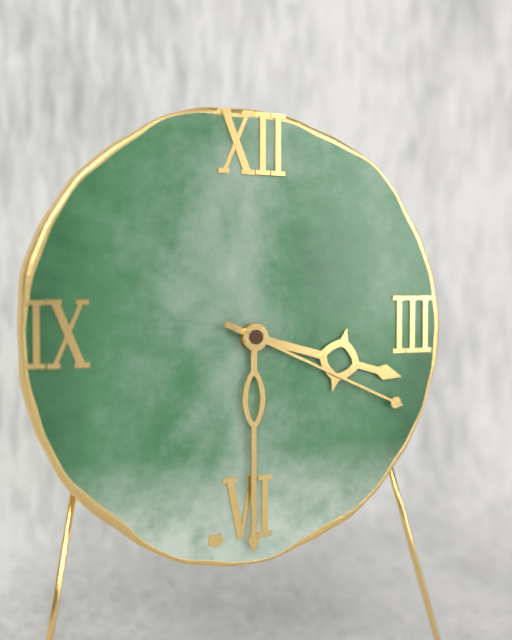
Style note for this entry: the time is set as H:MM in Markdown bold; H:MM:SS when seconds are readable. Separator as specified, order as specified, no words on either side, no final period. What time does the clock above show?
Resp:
**3:30:19**
